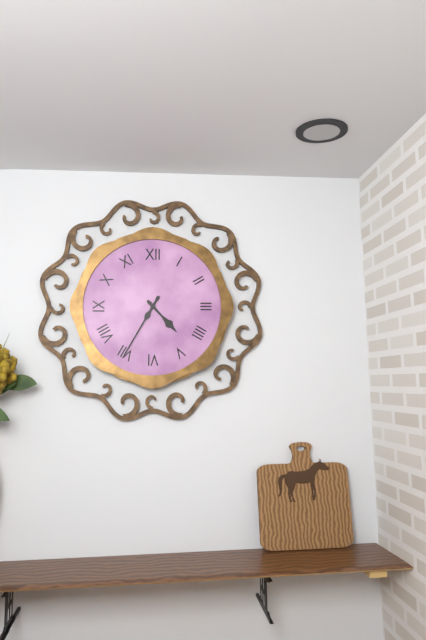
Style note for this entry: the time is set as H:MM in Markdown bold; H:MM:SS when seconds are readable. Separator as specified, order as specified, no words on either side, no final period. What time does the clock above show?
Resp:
**4:35**
